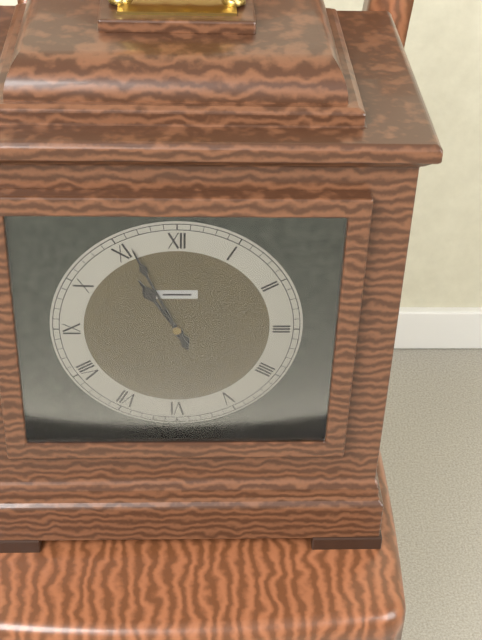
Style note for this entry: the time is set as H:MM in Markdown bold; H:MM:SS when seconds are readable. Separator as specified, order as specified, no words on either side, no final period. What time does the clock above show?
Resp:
**10:56**
